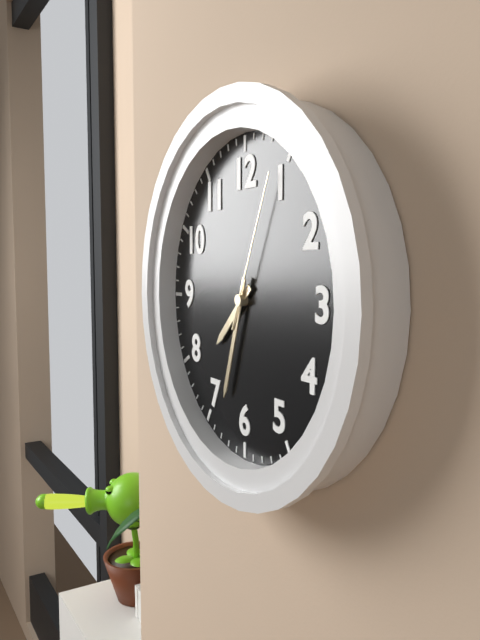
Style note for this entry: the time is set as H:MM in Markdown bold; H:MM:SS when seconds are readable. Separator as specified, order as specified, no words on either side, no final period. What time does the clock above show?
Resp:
**7:33:04**
